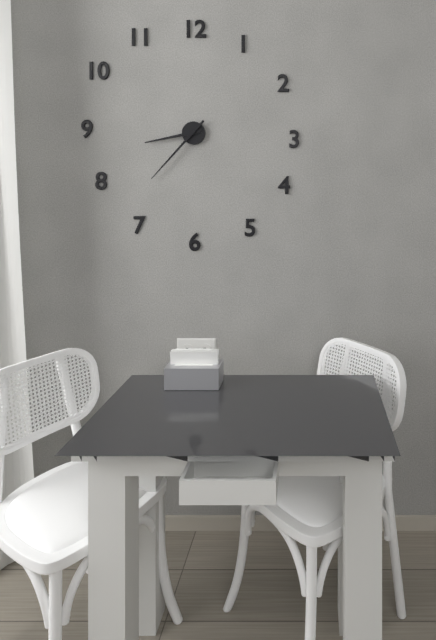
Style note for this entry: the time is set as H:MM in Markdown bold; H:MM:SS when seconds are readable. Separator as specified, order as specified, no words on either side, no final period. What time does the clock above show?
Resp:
**8:37**
